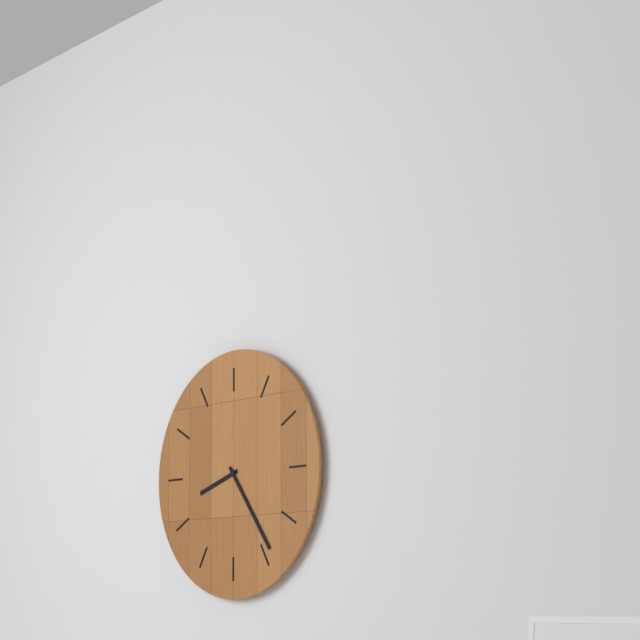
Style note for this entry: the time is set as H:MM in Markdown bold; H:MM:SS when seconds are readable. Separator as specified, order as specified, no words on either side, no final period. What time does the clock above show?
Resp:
**8:24**
